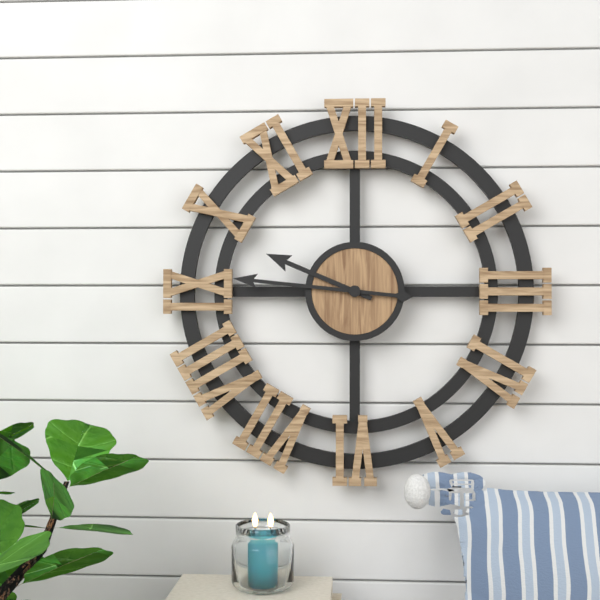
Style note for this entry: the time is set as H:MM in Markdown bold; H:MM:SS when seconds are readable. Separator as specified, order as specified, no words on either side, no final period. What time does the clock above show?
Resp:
**9:46**
